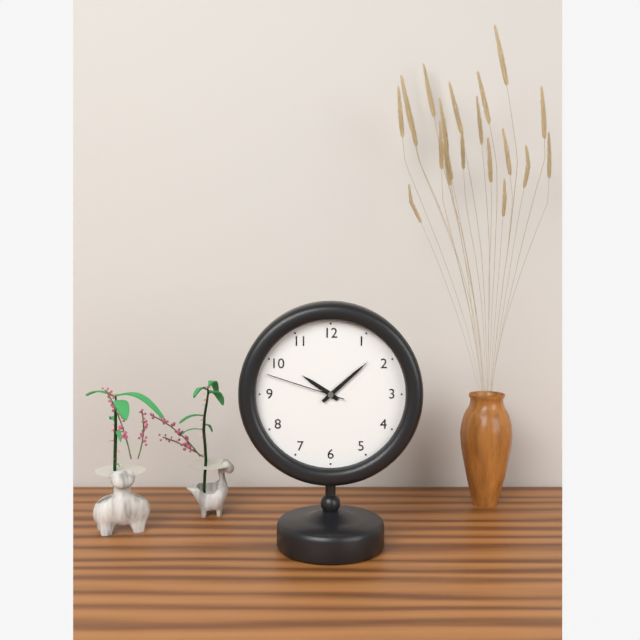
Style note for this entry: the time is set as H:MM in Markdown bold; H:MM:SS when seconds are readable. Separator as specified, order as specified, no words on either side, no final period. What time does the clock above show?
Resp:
**10:08:48**
